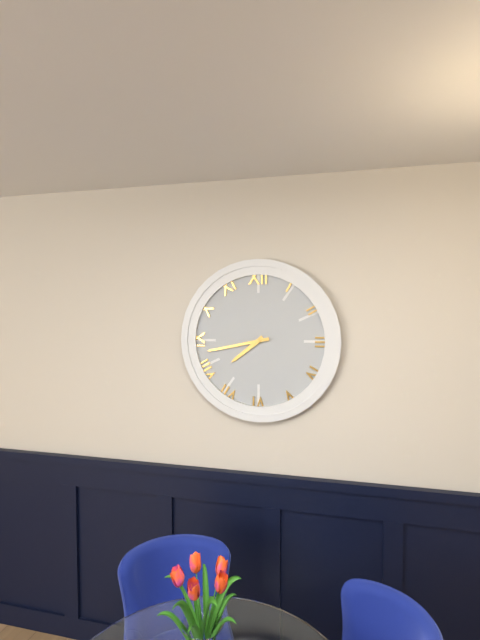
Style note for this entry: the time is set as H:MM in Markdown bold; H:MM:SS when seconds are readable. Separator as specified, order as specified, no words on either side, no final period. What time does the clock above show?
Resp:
**7:43**
